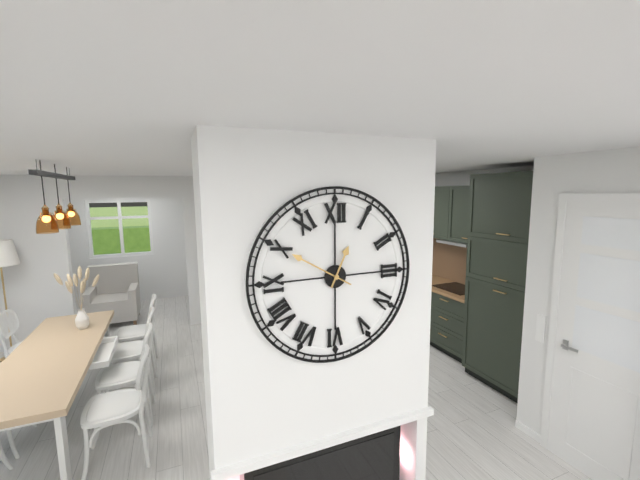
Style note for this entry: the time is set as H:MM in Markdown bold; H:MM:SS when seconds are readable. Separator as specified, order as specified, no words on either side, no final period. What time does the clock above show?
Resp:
**12:50**
